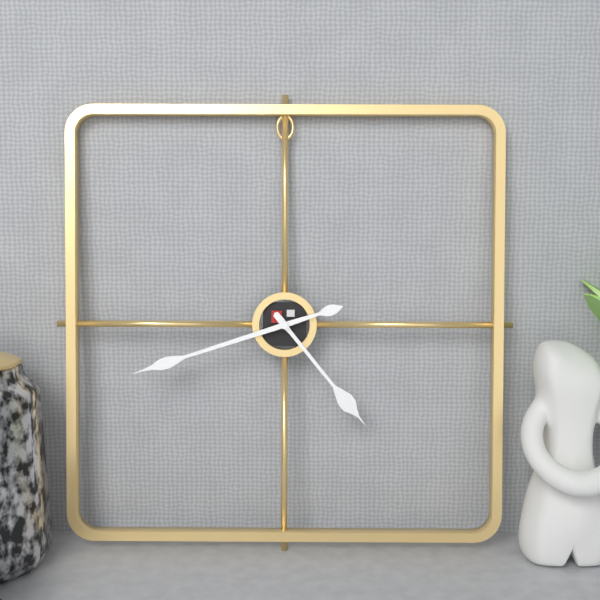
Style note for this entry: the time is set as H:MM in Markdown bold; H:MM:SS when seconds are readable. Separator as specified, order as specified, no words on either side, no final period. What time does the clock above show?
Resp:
**4:42**
